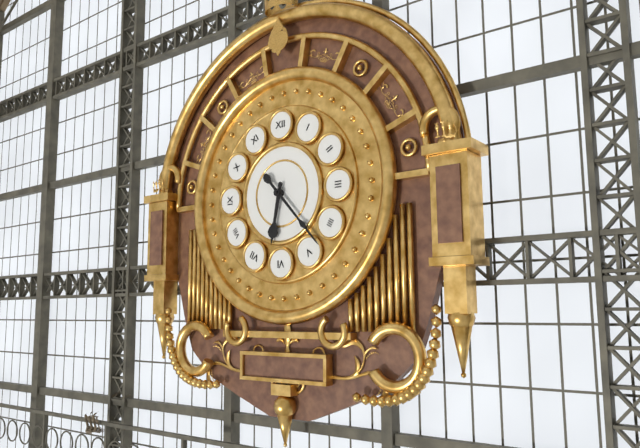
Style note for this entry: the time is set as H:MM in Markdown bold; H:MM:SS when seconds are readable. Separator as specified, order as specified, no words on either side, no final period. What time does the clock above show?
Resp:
**6:23**
